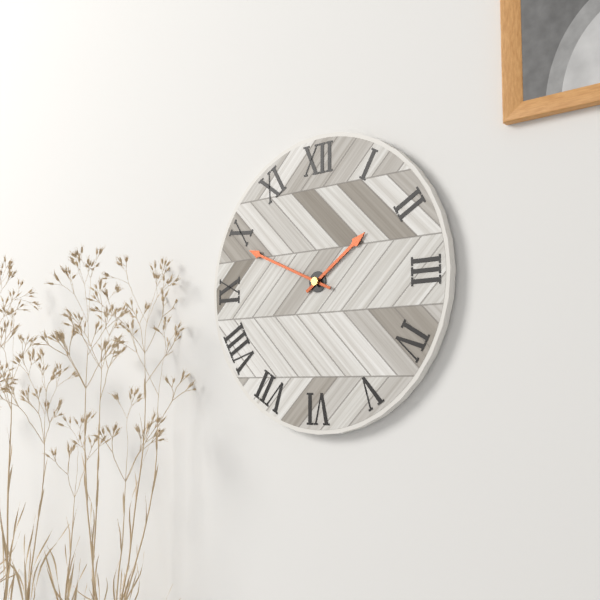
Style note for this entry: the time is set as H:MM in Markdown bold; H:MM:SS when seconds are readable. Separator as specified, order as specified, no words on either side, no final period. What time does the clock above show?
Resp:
**1:49**
